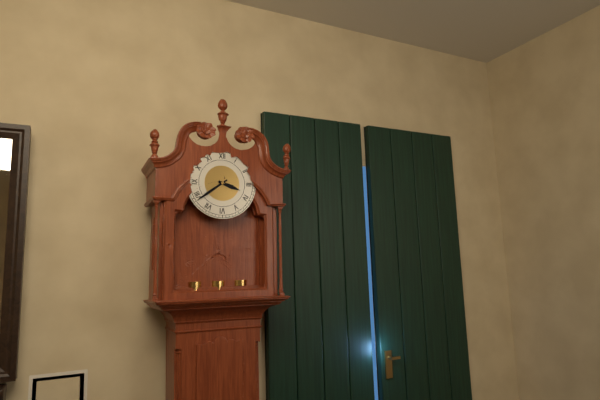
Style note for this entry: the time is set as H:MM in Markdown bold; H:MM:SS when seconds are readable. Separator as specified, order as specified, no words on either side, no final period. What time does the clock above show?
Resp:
**3:39**
